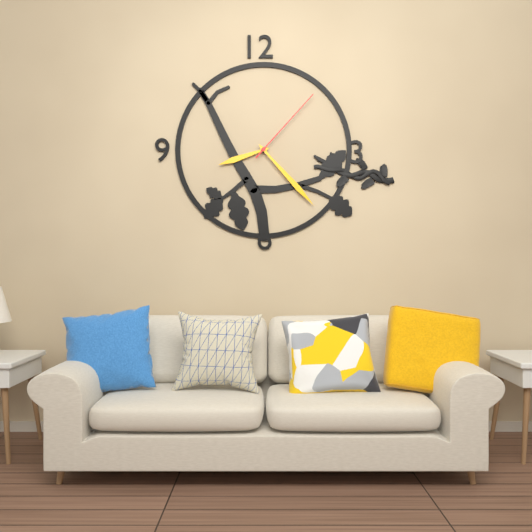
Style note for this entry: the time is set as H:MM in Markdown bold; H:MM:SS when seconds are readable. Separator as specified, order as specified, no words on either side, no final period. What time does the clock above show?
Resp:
**8:23:07**
